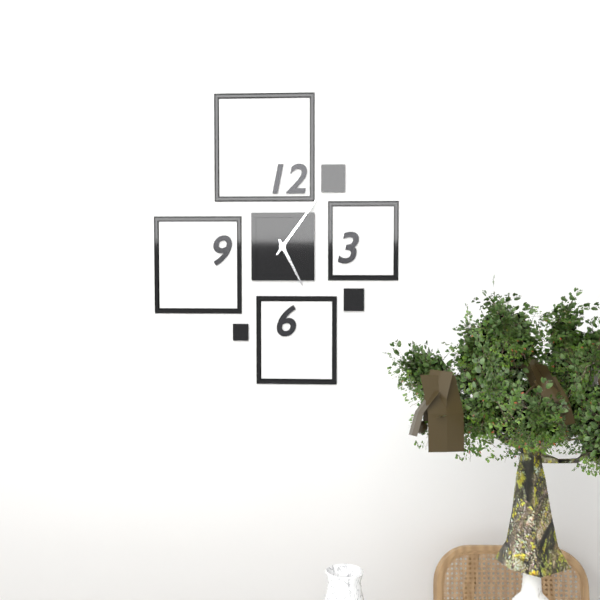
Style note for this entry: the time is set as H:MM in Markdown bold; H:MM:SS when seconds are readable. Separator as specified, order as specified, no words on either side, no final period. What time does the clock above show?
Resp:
**5:06**
